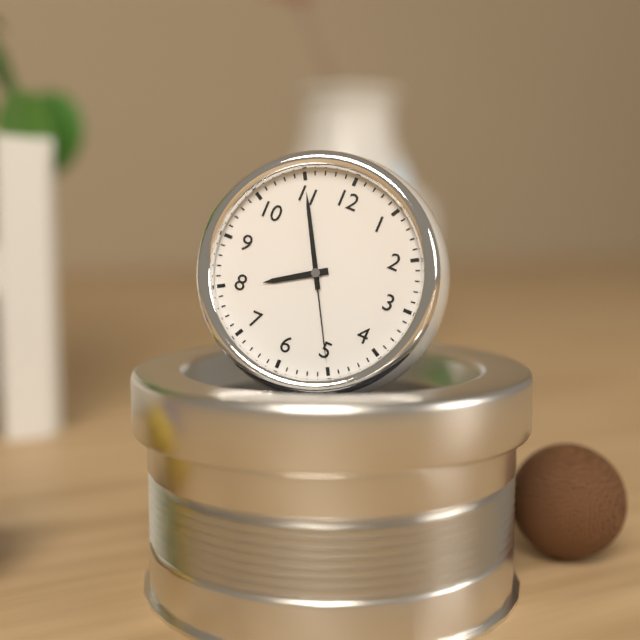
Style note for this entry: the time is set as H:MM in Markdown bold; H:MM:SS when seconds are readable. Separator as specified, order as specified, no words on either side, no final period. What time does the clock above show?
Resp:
**7:55:25**
